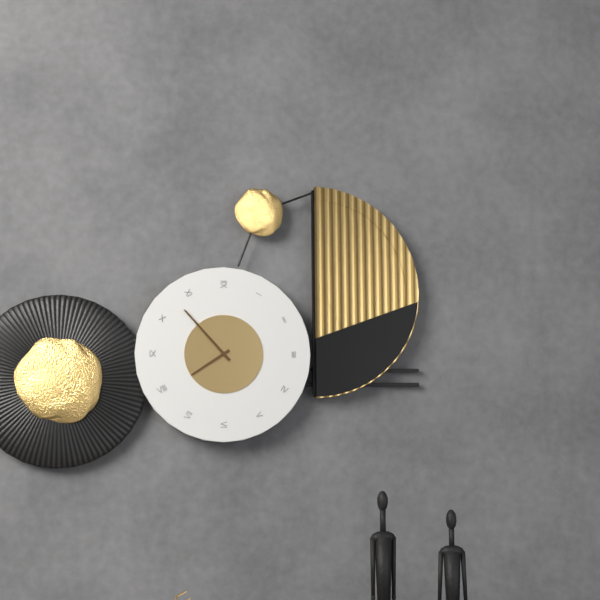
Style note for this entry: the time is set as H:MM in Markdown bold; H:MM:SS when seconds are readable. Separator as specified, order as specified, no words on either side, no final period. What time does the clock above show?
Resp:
**7:53**
